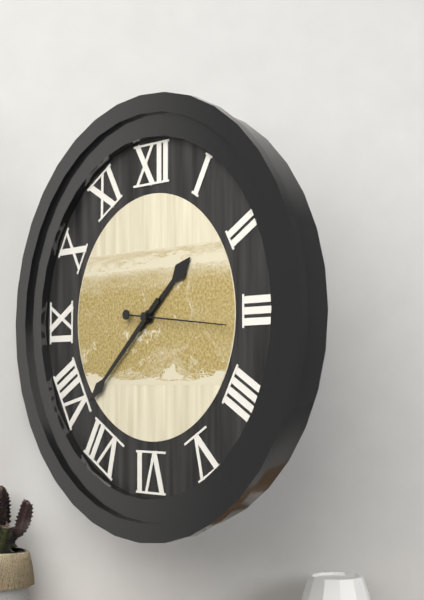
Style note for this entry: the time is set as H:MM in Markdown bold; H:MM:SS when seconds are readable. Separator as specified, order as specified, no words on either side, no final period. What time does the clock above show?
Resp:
**1:38:16**
